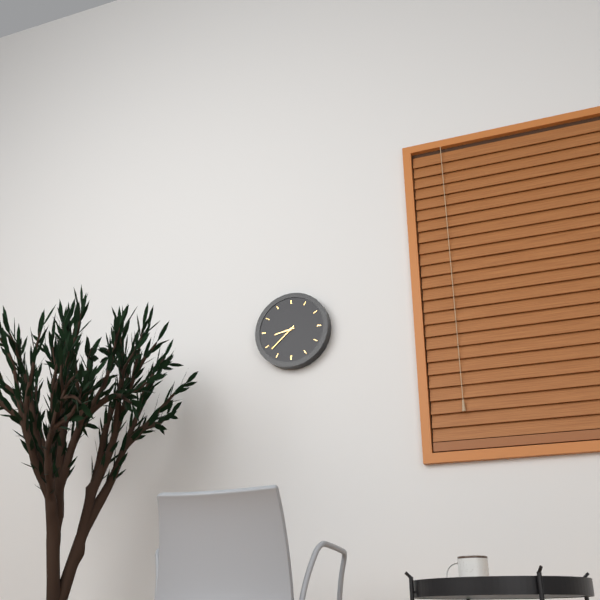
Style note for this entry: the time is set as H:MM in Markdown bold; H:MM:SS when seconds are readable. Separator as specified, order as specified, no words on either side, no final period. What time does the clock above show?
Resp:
**8:38**
